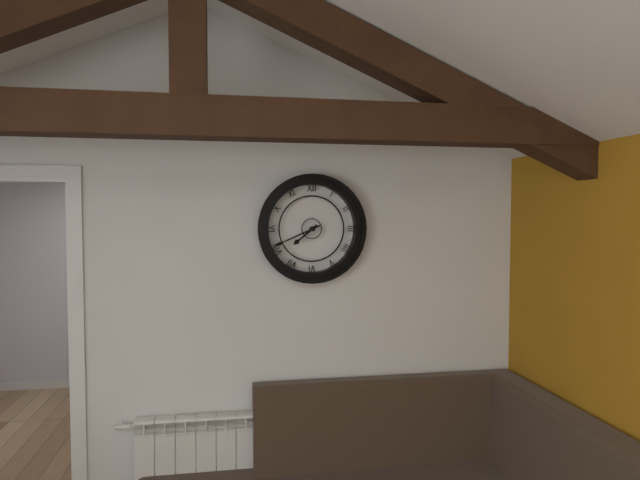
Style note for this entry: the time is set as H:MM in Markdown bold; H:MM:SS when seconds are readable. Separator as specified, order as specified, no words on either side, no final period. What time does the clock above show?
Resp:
**7:41**
